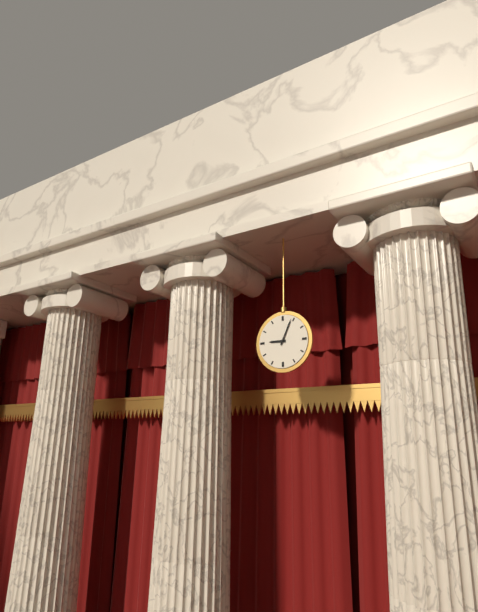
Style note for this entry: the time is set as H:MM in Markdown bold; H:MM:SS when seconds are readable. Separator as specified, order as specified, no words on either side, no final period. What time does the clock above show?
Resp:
**9:04**
